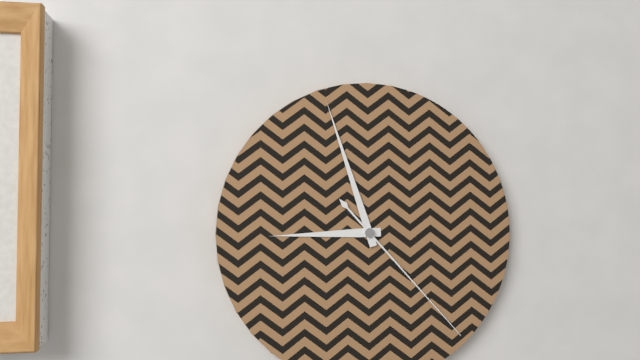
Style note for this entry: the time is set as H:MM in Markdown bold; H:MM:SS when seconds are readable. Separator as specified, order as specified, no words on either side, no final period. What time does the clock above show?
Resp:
**8:57:23**
